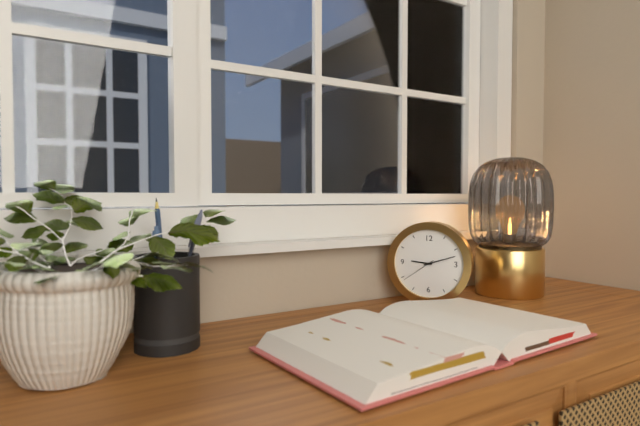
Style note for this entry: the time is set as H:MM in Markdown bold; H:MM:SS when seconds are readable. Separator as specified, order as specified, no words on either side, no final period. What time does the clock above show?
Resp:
**9:12**
